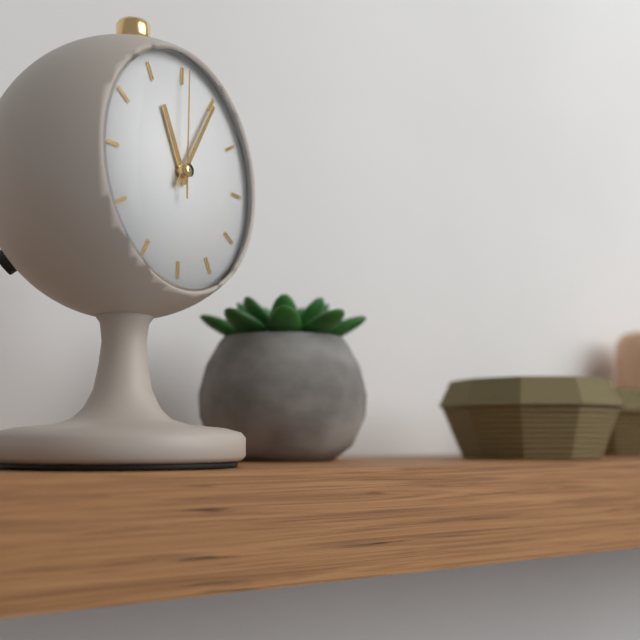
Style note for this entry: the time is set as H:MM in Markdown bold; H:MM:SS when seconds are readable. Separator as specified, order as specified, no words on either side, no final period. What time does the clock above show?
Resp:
**11:05:00**
